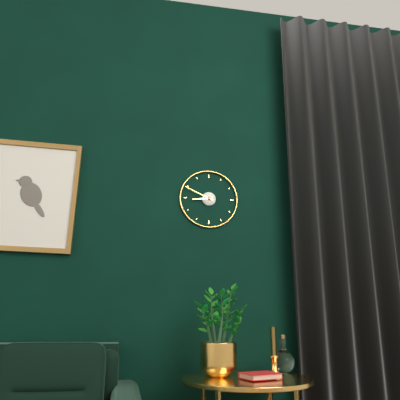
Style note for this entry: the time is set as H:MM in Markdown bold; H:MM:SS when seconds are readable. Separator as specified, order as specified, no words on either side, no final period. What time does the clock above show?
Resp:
**8:49**
